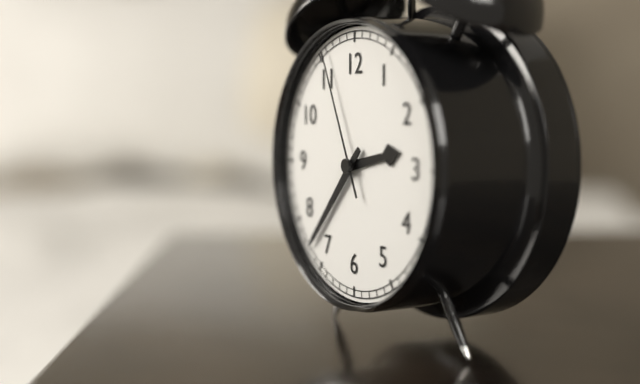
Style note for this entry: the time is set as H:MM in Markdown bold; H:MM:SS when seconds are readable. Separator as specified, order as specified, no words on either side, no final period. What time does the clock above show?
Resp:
**2:37:56**
